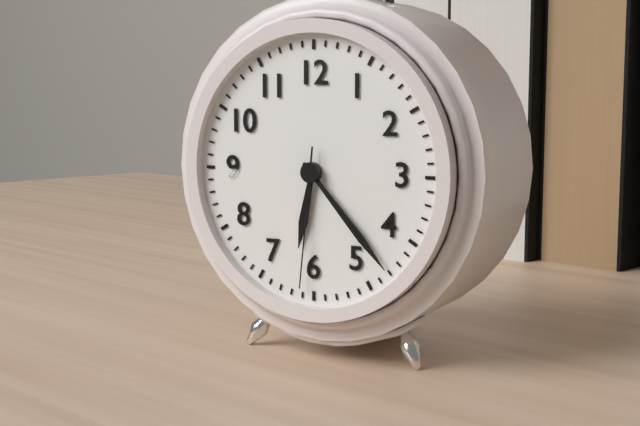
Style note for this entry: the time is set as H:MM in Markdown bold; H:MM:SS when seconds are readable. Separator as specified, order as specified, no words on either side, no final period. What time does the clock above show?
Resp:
**6:23:31**
